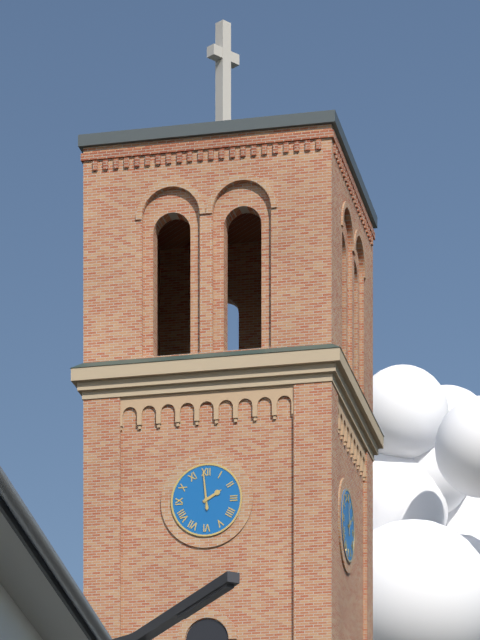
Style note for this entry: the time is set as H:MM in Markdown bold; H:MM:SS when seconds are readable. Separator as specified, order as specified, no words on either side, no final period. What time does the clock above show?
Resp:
**1:59**
